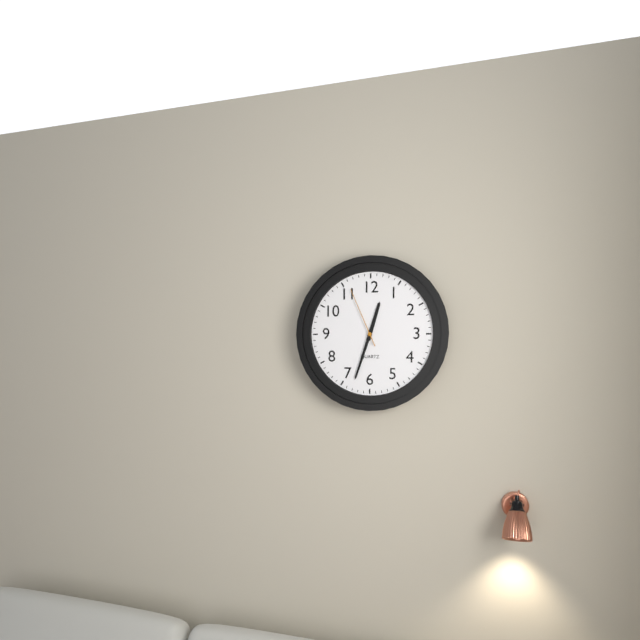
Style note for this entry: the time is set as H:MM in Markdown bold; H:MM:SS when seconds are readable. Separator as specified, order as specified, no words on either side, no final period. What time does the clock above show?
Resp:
**12:33:56**
